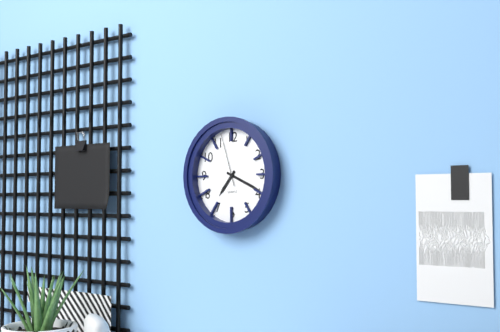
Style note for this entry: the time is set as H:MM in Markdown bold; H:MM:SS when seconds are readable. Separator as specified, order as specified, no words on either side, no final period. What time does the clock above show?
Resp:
**7:19:57**
